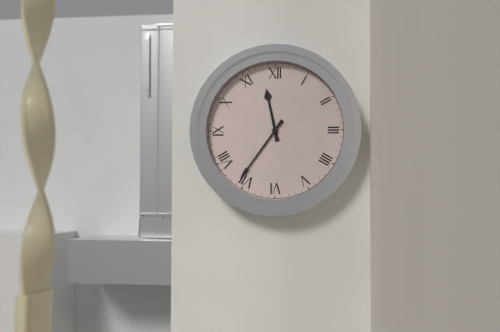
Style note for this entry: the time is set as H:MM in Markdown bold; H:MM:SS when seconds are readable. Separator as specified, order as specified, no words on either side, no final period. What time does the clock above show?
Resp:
**11:36**
